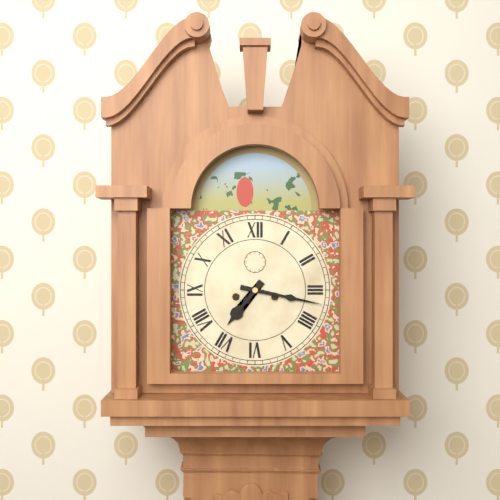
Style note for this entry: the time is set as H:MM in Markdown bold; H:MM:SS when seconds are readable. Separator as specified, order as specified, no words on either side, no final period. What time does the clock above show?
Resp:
**7:17**
